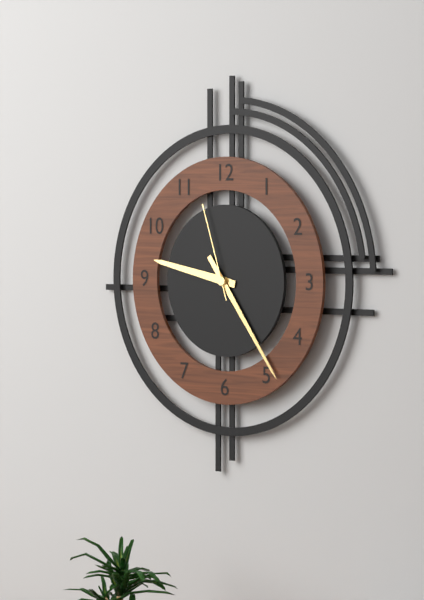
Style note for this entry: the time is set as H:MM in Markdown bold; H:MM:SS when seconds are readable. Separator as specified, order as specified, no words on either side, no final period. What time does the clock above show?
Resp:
**9:24:57**
